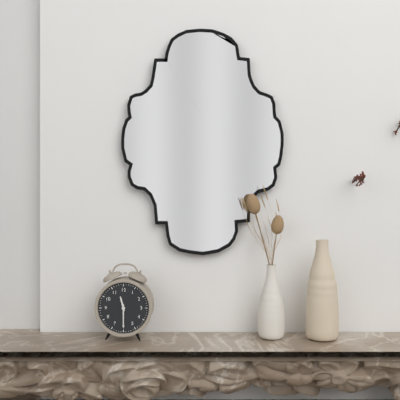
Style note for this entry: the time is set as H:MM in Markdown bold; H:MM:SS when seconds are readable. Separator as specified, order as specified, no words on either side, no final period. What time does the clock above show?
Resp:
**11:30**
